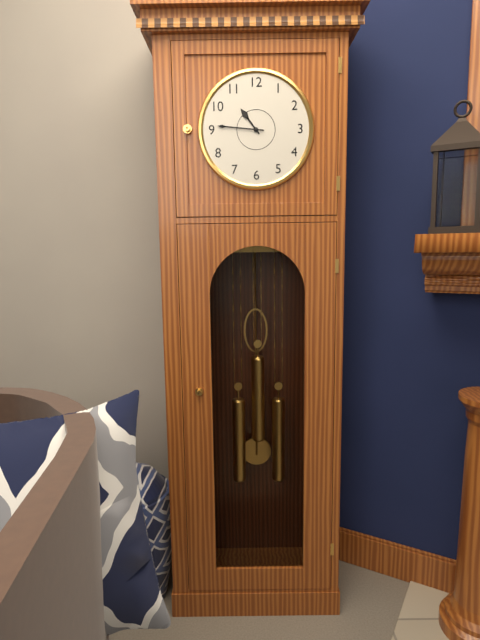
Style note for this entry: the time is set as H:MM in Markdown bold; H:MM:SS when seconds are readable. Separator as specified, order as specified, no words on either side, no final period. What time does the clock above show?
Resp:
**10:46**
